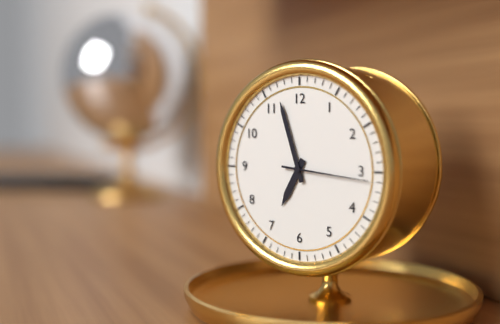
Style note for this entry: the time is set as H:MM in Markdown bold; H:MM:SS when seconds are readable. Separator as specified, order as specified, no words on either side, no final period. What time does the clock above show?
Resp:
**6:57:16**
